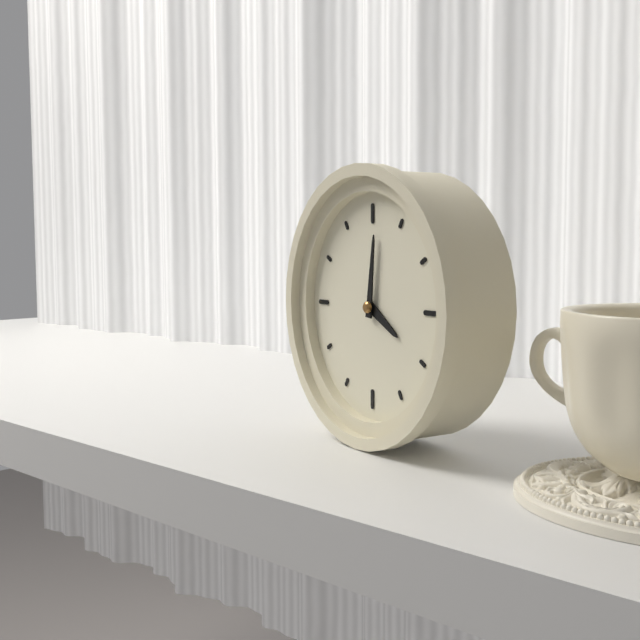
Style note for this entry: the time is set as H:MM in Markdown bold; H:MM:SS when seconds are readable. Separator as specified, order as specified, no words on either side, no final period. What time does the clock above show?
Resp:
**4:01**
